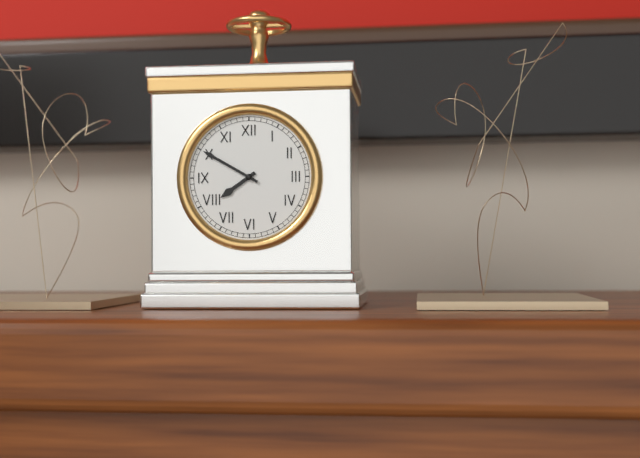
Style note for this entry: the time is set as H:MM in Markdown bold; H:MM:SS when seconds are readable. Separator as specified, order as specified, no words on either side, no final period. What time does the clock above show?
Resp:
**7:50**
